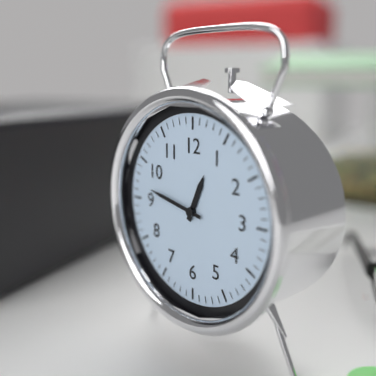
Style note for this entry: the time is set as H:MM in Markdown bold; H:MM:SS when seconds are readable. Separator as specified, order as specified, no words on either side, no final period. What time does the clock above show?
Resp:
**12:47**
